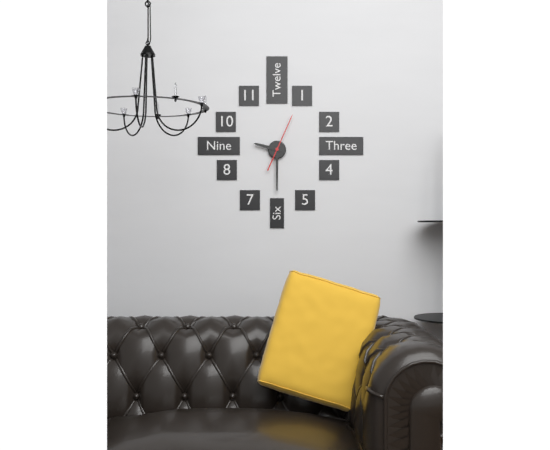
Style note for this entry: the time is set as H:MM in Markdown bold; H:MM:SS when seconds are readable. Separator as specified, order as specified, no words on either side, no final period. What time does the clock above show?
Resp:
**9:30**
